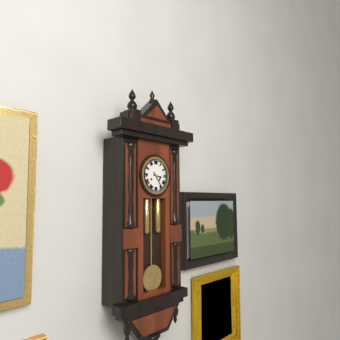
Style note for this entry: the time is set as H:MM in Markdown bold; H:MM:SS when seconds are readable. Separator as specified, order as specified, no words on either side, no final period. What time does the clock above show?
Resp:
**3:24**
